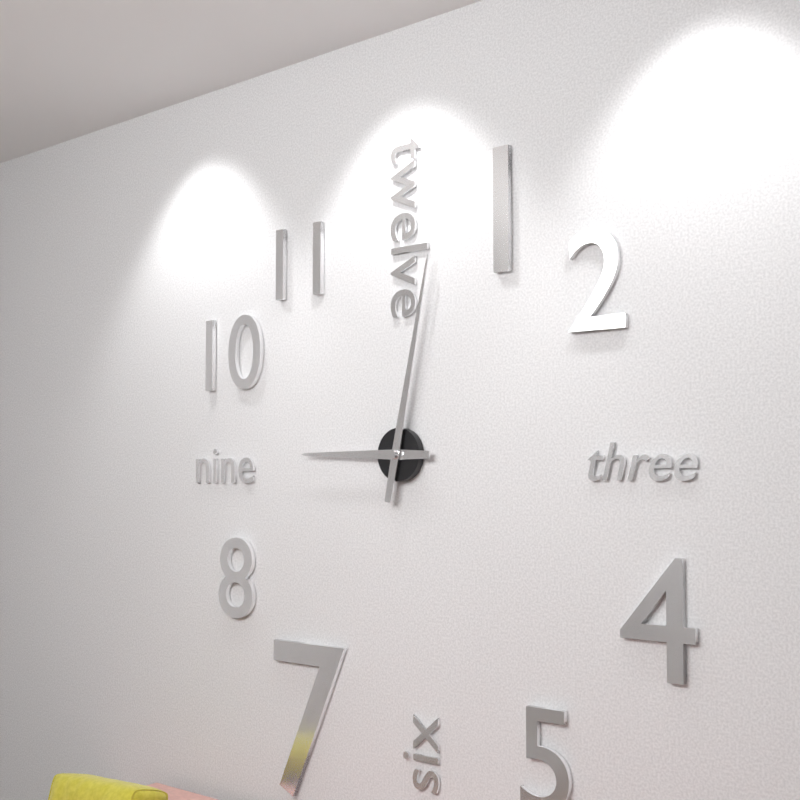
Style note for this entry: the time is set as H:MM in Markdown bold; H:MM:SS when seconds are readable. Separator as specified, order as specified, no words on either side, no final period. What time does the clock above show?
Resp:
**9:02**
